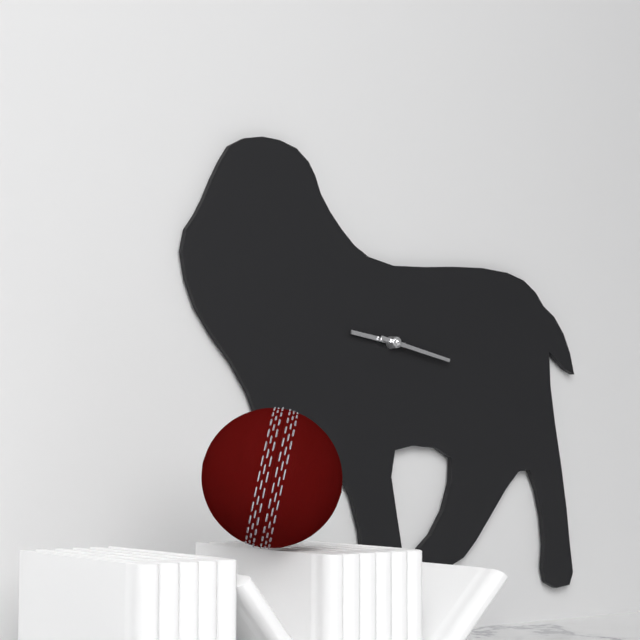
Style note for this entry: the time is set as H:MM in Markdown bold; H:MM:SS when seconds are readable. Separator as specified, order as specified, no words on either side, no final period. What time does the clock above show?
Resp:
**9:17**
